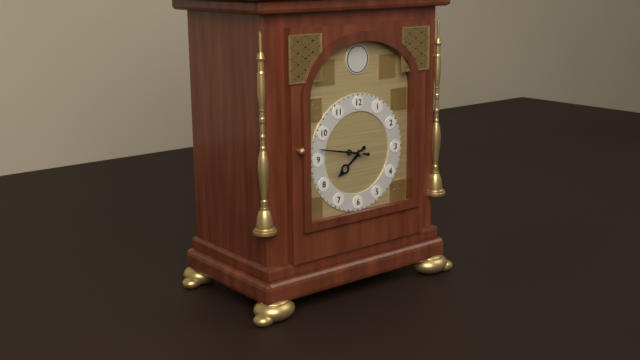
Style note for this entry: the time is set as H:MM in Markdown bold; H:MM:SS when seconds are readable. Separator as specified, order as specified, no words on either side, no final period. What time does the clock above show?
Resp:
**7:47**
